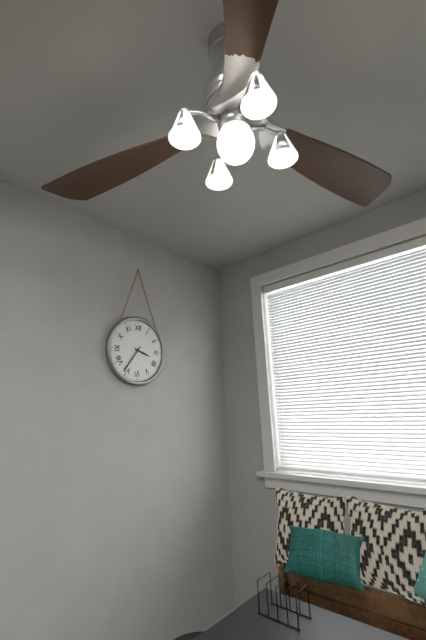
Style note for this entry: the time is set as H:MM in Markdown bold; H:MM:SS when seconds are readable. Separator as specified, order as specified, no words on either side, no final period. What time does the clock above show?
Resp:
**3:36**
